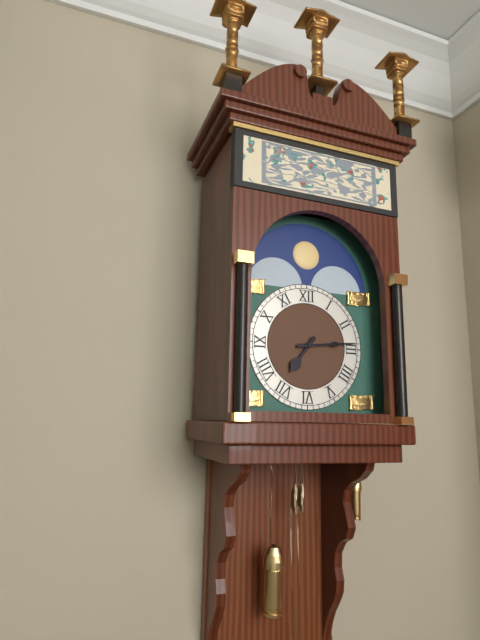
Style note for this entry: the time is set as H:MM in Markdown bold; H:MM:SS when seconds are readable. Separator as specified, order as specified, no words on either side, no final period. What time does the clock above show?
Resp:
**7:14**
